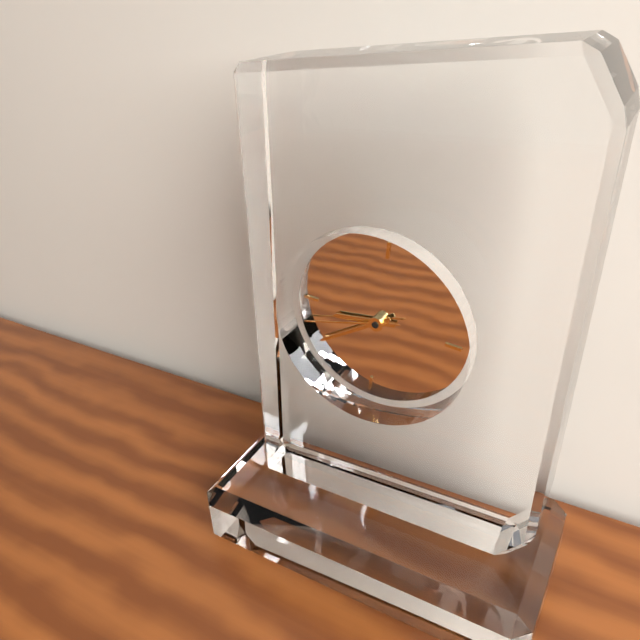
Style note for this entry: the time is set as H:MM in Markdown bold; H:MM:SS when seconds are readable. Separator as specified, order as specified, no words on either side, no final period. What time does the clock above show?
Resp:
**8:39:42**
